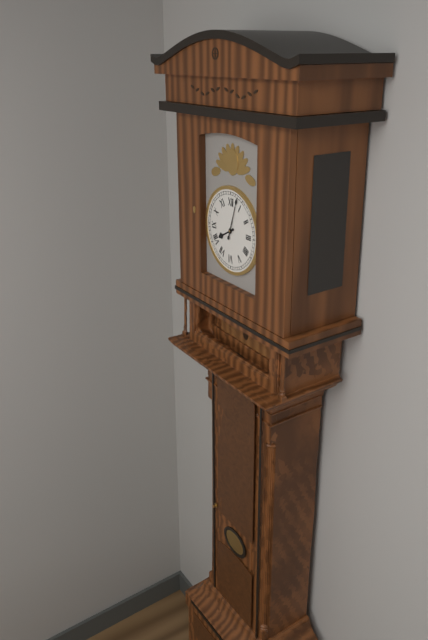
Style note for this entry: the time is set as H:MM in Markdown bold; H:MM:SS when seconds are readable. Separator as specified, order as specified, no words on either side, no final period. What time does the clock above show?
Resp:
**8:03**
